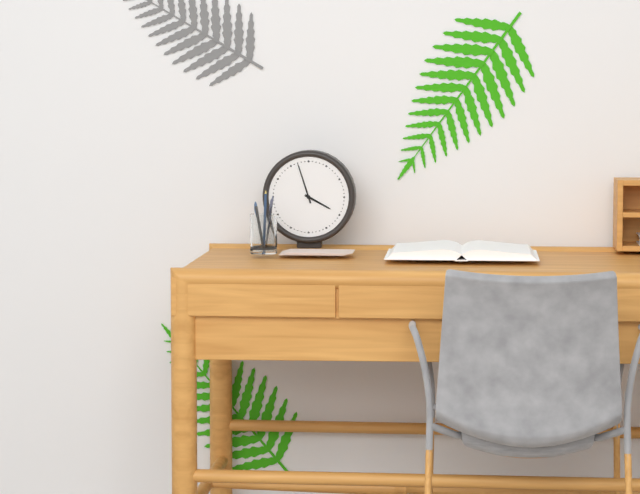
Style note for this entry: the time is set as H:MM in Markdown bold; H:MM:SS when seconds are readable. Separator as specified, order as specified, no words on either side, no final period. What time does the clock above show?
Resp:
**3:57**
